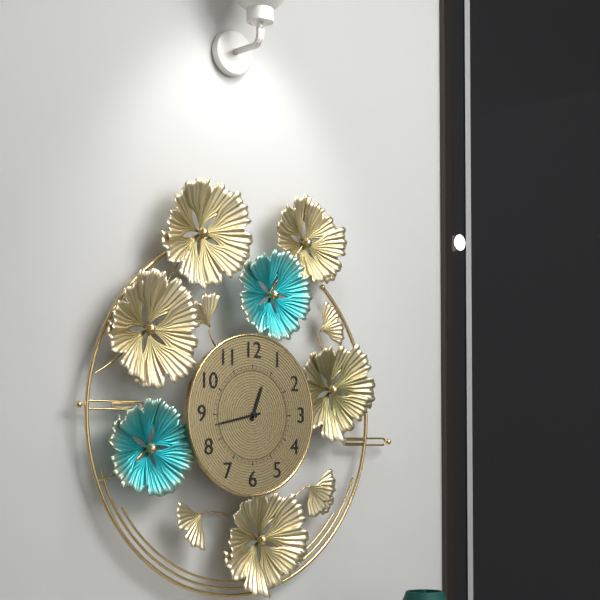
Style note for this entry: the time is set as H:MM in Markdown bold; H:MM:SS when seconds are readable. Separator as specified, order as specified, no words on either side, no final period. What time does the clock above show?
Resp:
**12:43**
